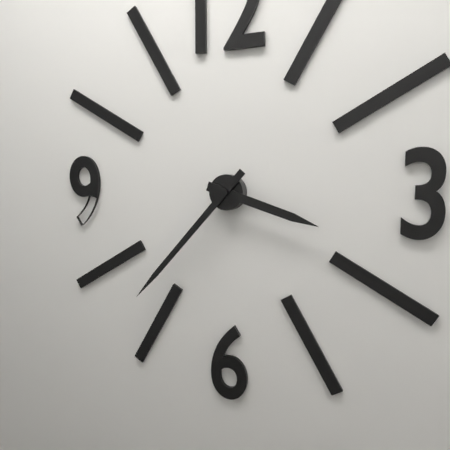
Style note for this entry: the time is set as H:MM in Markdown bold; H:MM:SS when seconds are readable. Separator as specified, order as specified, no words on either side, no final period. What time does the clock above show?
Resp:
**3:37**
